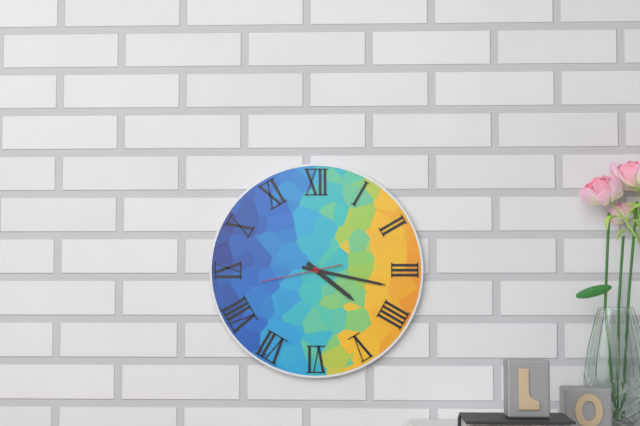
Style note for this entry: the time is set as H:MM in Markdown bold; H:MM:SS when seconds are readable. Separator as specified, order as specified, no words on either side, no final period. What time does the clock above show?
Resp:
**4:17:43**
